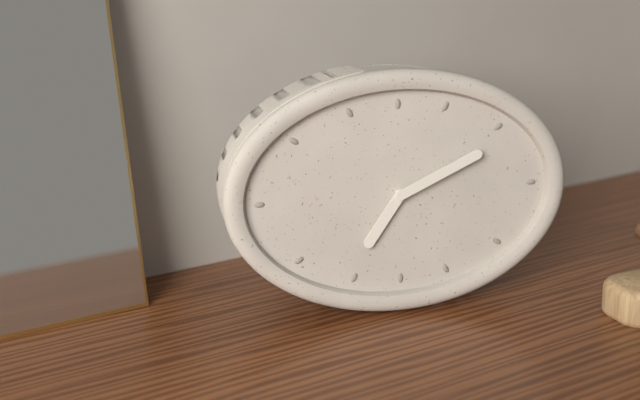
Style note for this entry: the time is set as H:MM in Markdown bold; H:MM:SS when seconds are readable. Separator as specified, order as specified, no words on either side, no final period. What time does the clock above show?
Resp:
**7:11**
